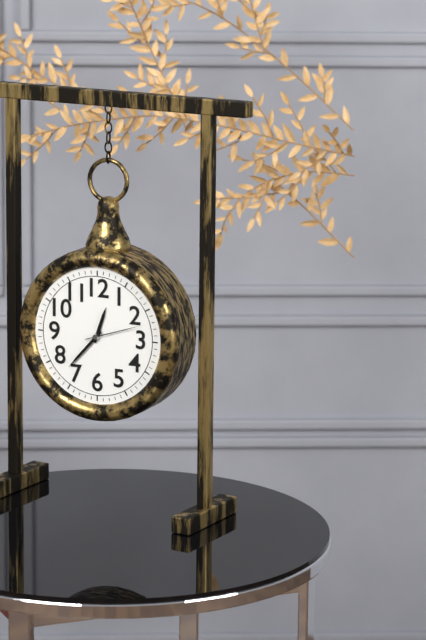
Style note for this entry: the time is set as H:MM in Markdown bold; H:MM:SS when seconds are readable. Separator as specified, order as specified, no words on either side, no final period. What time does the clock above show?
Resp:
**12:37:12**
